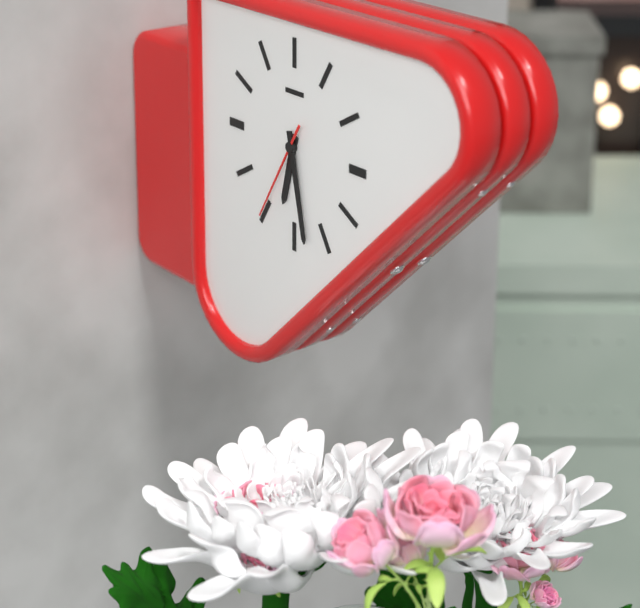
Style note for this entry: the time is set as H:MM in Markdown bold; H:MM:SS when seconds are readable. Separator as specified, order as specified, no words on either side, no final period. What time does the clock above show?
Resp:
**6:28:35**
